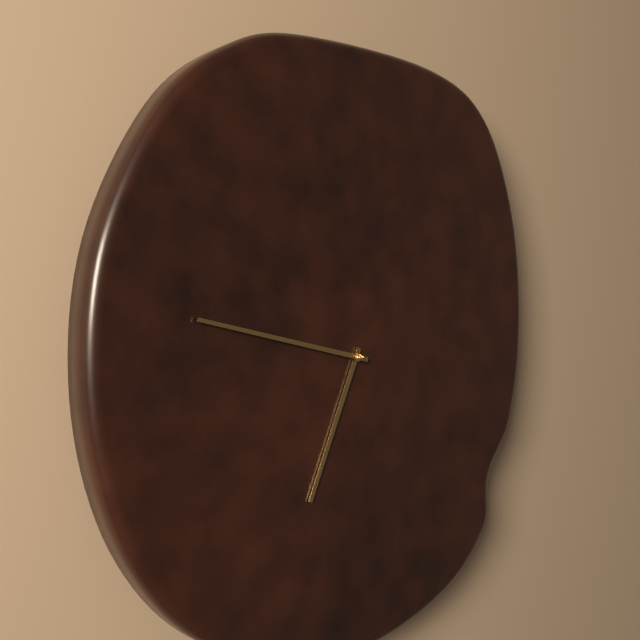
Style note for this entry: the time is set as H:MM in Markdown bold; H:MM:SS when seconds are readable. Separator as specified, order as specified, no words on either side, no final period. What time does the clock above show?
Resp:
**6:47**
